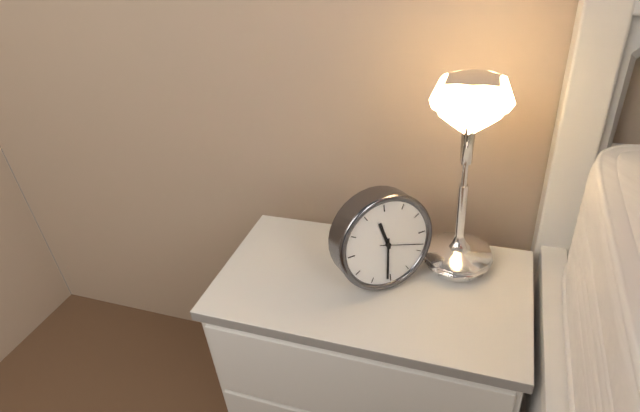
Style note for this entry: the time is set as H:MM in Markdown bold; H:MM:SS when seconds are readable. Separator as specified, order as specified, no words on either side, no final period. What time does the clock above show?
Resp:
**11:31**
